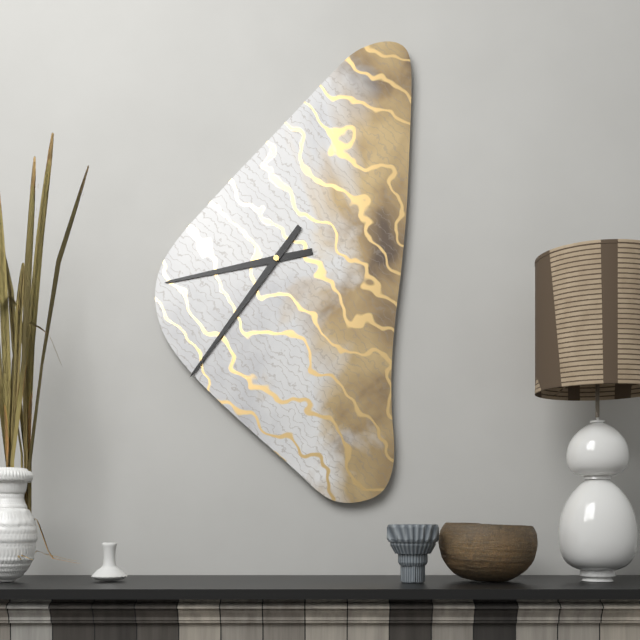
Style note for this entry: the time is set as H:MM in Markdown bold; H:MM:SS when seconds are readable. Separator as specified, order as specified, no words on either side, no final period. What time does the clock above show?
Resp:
**8:36**
